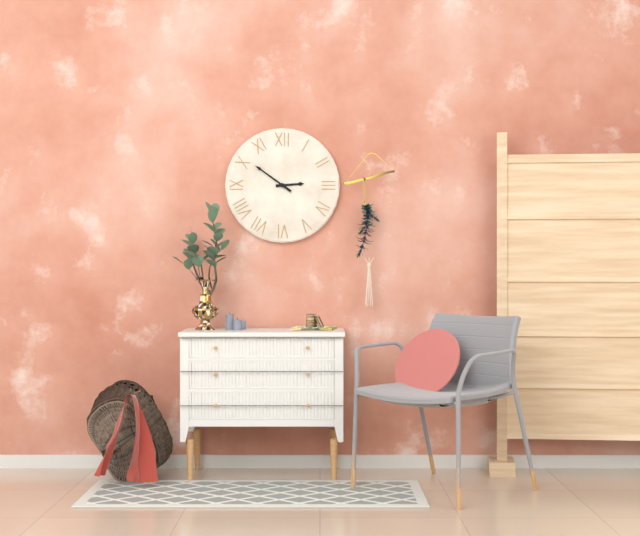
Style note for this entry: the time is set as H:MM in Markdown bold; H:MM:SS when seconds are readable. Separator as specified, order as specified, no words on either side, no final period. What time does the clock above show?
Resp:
**2:51**
